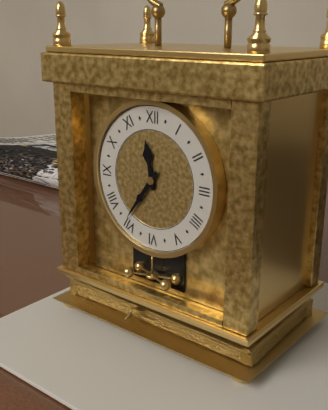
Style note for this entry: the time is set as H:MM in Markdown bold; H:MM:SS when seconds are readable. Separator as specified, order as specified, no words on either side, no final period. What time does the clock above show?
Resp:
**11:36**
